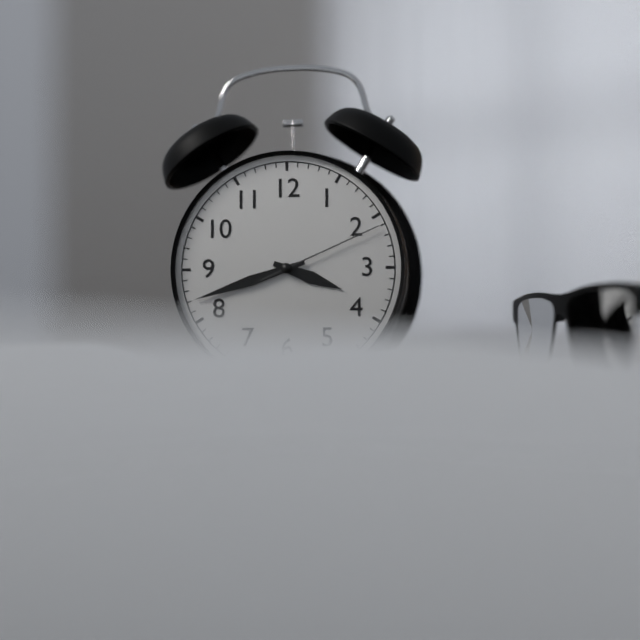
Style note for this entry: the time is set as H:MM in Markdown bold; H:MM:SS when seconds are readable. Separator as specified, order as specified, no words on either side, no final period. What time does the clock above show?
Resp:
**3:42:11**
